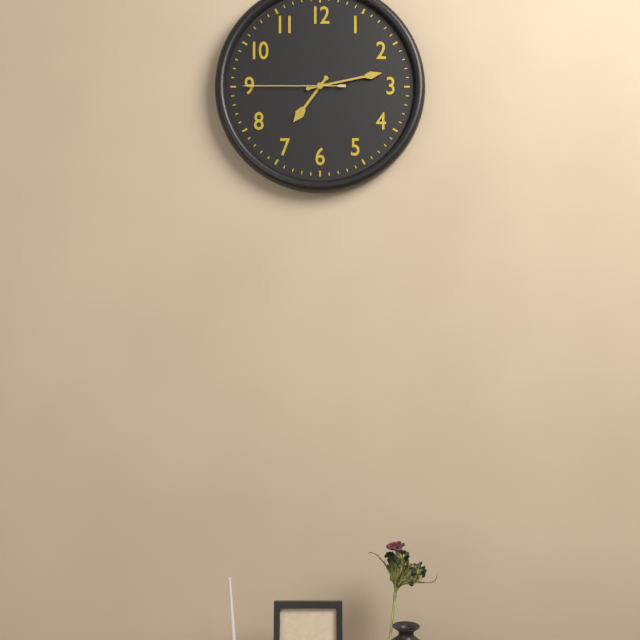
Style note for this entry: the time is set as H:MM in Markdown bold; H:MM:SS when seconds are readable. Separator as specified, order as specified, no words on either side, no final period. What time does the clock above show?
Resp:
**7:13:45**
